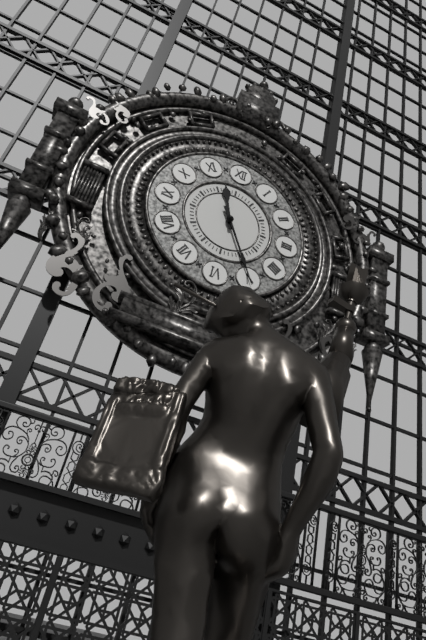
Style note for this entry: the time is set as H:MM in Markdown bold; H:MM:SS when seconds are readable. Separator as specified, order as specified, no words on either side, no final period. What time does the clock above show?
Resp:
**11:25**
